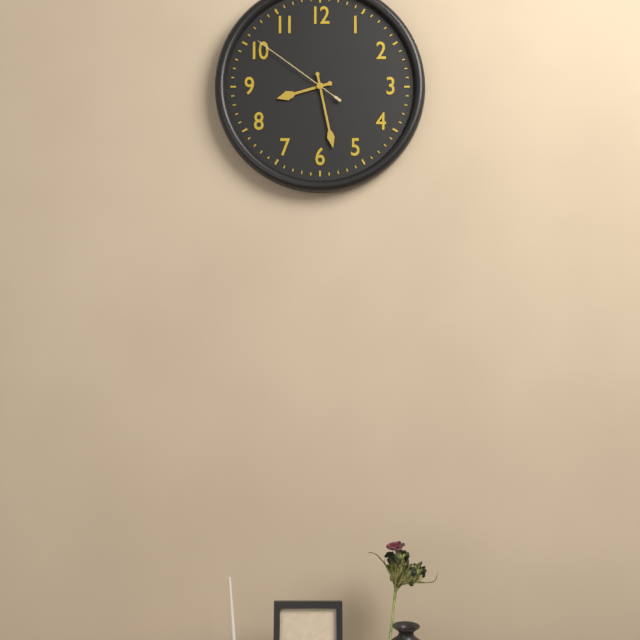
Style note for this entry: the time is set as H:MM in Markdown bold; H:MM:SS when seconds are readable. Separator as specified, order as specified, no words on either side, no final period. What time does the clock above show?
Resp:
**8:28:51**
